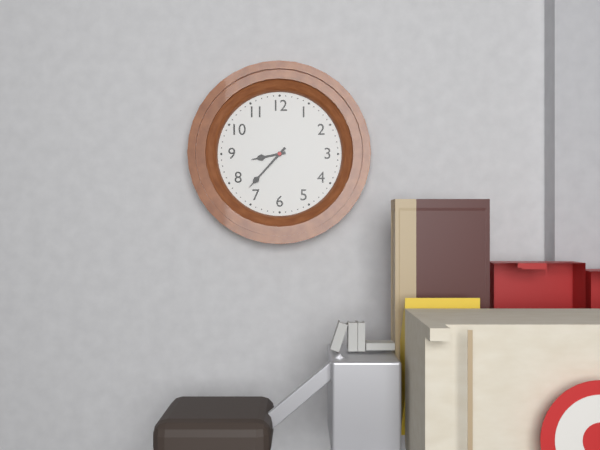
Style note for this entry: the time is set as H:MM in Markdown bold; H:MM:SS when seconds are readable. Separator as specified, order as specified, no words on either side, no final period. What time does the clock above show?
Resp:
**8:37**
